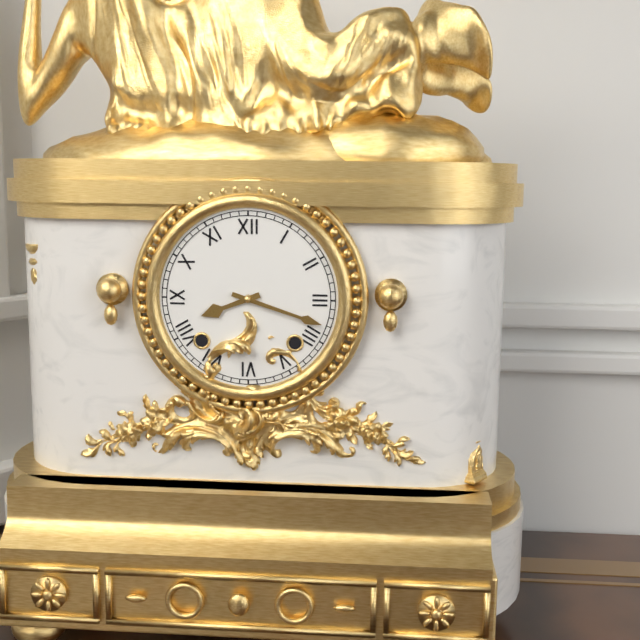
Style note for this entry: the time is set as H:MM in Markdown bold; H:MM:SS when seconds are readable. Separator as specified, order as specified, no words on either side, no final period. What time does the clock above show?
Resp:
**8:18**
